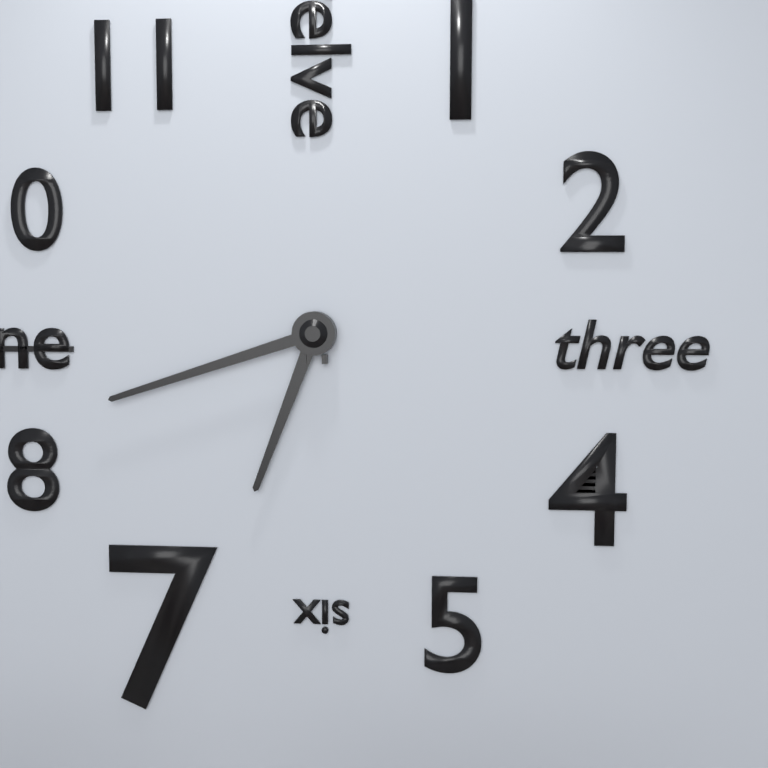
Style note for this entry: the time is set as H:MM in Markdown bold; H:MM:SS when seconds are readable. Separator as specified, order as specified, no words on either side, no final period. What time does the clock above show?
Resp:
**6:42**
